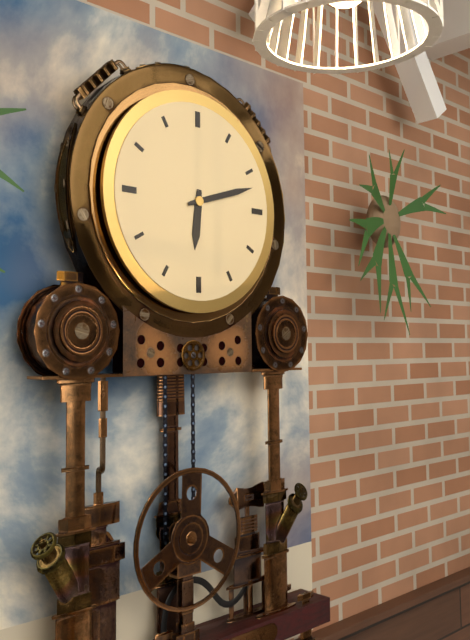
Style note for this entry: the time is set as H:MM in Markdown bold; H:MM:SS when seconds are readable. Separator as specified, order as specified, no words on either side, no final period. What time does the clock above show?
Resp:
**6:12**
